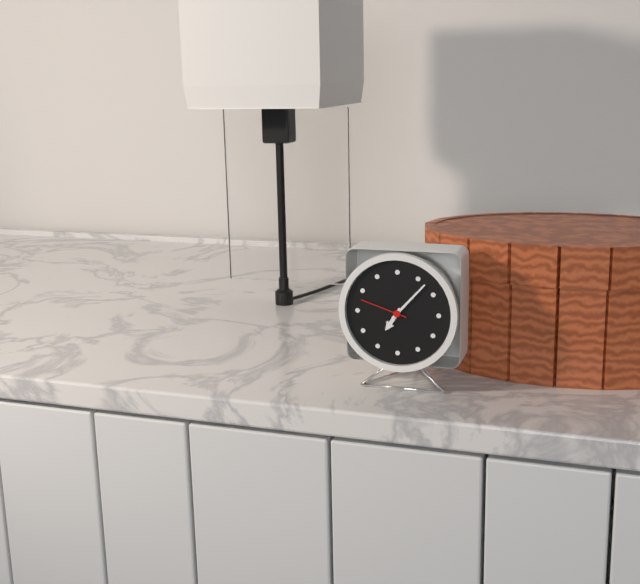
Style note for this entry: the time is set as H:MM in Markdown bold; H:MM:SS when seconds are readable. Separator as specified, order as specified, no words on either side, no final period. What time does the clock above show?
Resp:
**7:07**
